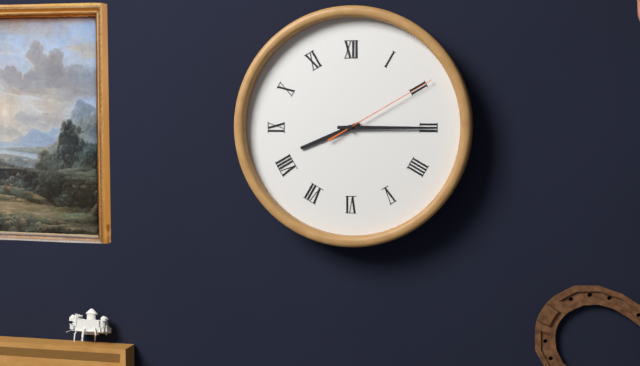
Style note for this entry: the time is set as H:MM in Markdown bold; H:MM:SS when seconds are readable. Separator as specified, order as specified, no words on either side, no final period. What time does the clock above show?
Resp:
**8:15:10**
